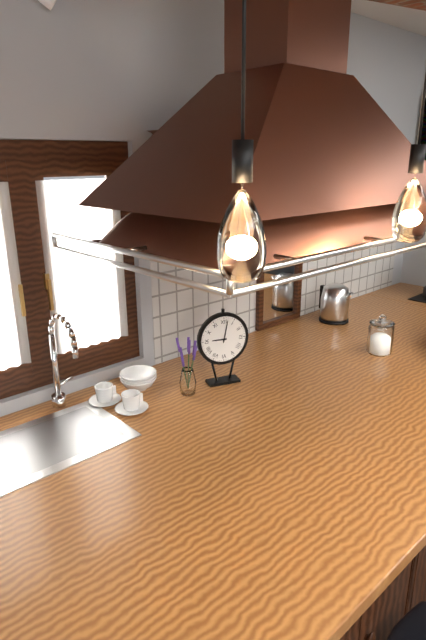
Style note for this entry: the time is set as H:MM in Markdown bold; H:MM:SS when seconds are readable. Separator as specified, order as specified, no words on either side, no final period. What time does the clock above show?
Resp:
**9:02**
